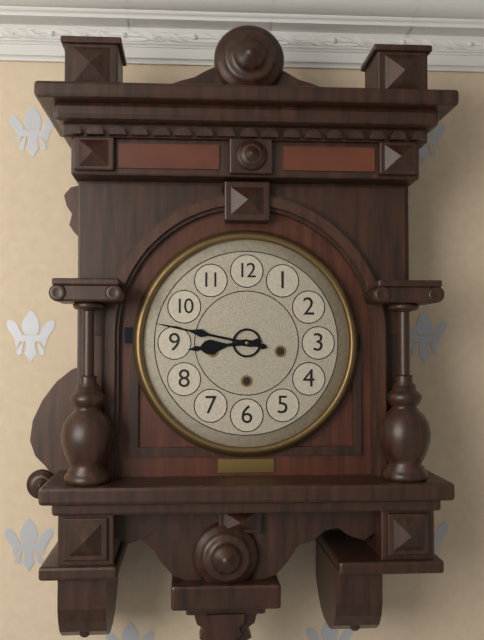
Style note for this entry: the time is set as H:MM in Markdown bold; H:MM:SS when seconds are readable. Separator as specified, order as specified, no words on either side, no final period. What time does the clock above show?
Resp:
**8:47**
